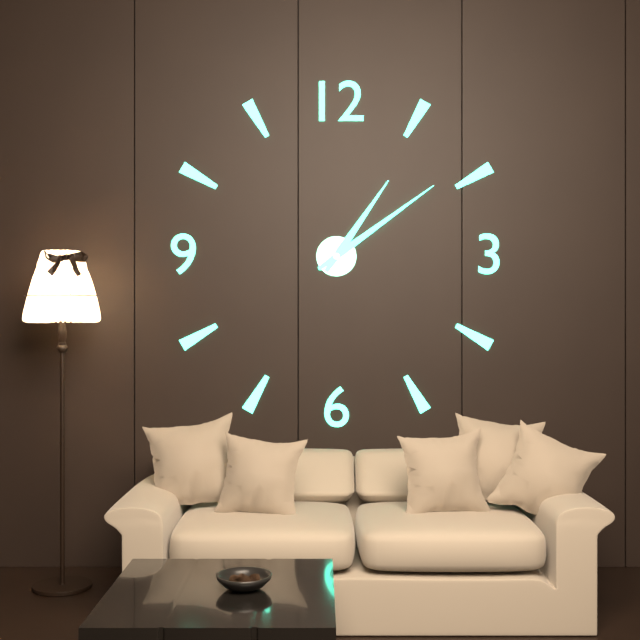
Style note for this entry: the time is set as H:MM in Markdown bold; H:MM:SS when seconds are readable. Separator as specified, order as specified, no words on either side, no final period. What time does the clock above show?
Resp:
**1:09**
